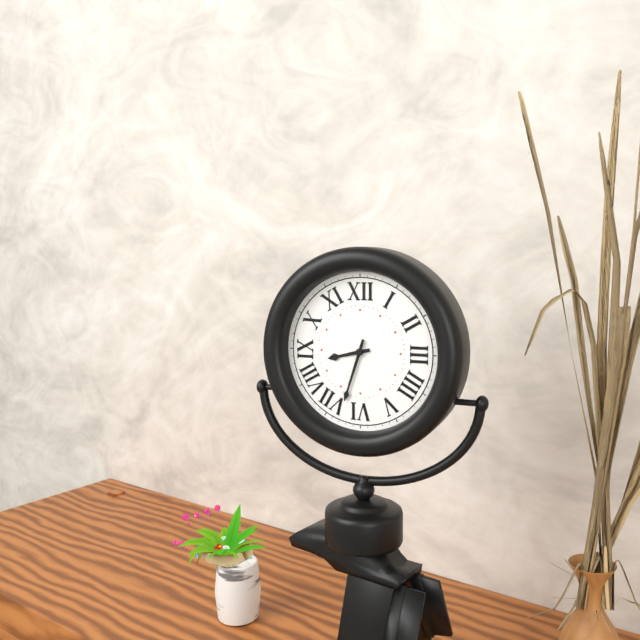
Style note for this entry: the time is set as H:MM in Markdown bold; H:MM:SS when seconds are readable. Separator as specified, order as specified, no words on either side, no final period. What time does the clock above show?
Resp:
**8:33**
